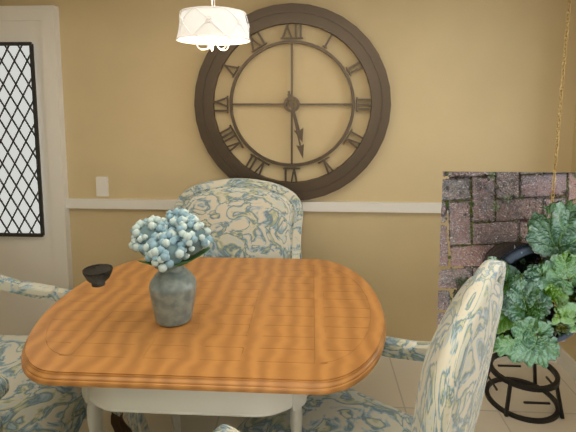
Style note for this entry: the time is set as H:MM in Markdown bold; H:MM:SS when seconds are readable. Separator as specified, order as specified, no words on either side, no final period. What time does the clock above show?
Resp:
**5:28**
